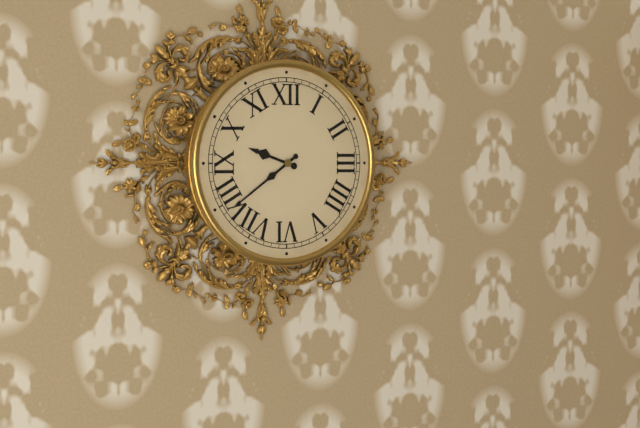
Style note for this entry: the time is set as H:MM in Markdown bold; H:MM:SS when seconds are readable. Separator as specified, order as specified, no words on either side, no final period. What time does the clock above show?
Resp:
**9:39**
